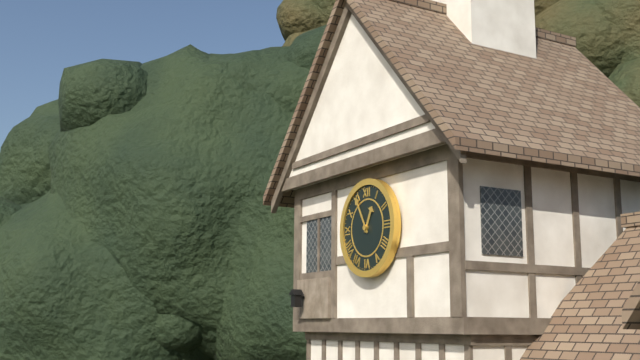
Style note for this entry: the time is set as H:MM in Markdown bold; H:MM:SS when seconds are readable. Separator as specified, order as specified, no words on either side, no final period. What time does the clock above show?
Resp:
**12:55**
